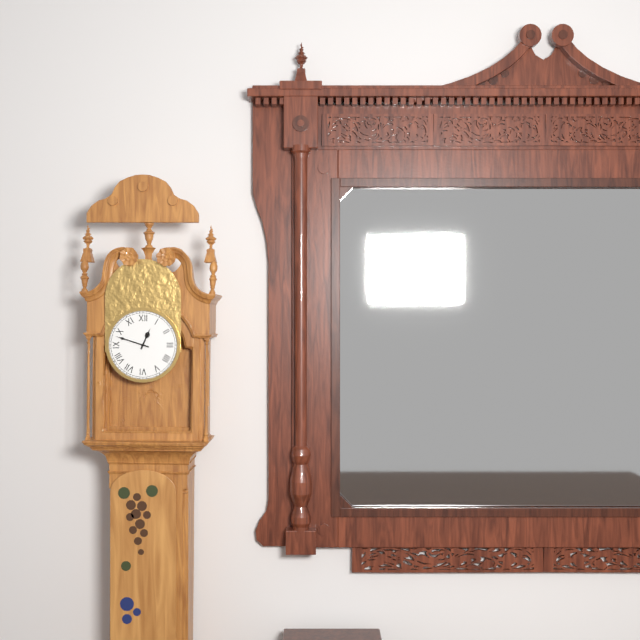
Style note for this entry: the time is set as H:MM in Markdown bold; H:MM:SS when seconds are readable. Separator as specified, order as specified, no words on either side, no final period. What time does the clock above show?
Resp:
**12:48**
